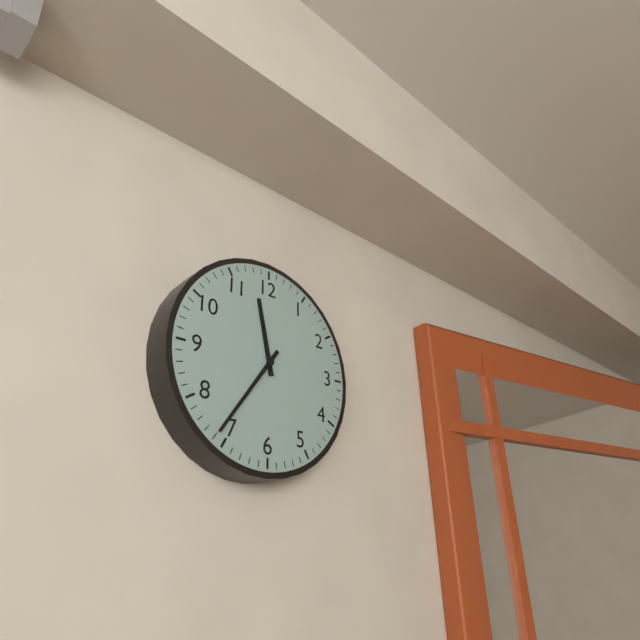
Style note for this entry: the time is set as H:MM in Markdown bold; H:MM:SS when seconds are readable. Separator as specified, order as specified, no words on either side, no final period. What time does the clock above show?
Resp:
**11:36**
